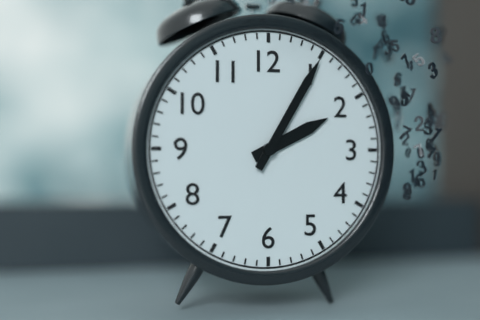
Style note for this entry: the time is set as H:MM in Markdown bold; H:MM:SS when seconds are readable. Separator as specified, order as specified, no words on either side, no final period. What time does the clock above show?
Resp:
**2:05**
